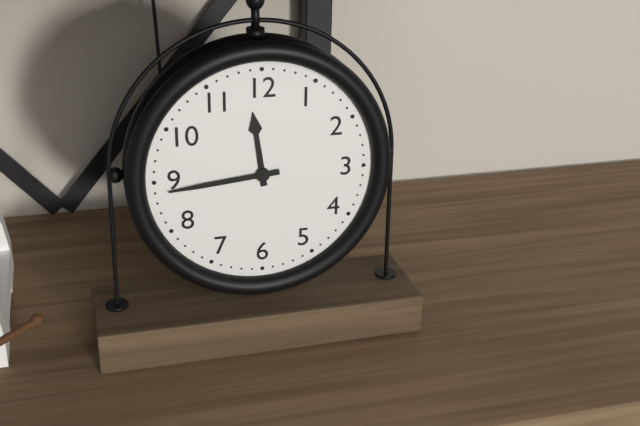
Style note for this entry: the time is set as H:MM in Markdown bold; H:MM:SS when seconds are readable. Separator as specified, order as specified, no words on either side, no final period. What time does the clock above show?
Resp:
**11:44**
